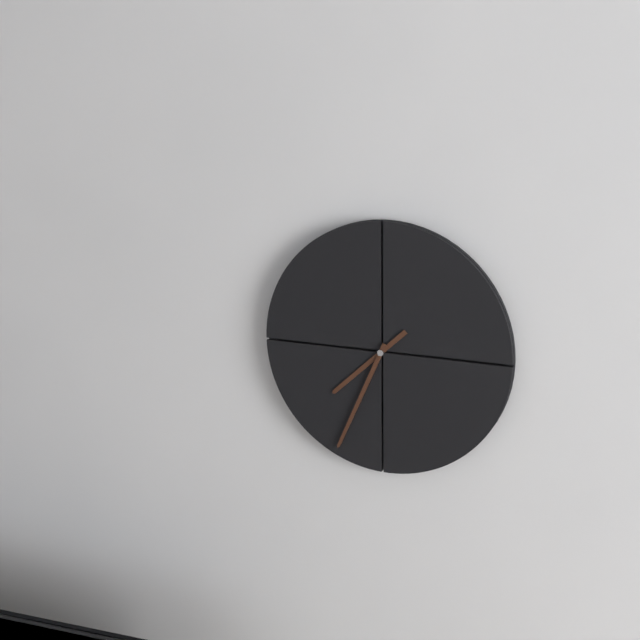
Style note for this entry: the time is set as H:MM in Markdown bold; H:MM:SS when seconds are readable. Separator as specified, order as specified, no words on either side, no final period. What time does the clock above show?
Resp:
**7:34**
